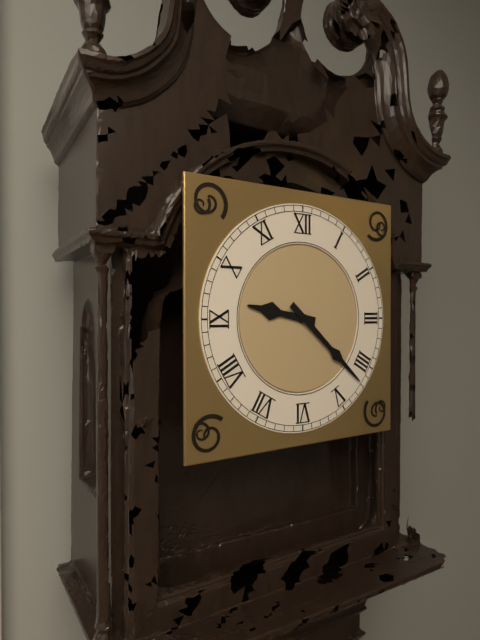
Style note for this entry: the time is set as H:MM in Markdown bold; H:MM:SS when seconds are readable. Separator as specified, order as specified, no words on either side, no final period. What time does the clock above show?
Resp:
**9:22**
